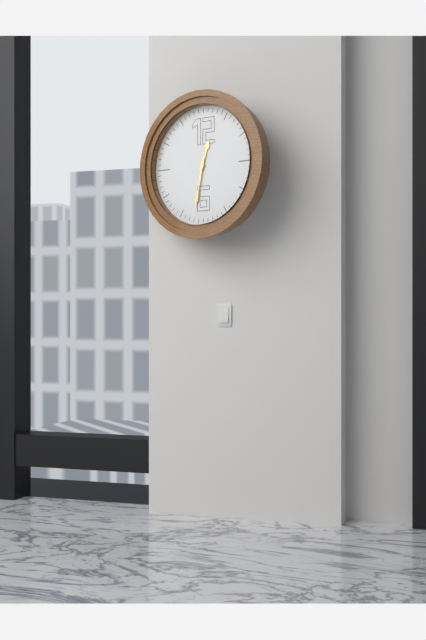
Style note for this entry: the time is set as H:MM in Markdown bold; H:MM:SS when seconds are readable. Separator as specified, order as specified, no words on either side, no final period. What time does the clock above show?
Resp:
**12:32**
